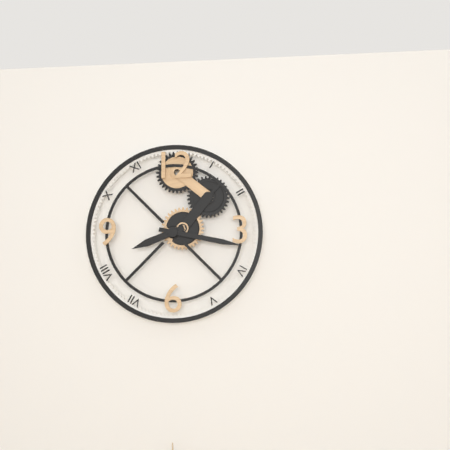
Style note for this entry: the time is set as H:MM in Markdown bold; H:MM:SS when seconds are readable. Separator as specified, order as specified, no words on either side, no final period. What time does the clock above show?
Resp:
**8:17**
